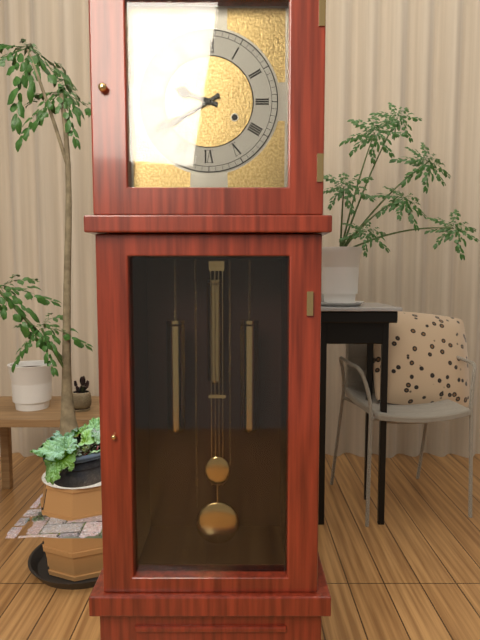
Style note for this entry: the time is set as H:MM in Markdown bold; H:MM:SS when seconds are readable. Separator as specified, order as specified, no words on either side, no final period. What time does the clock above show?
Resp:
**9:40**
